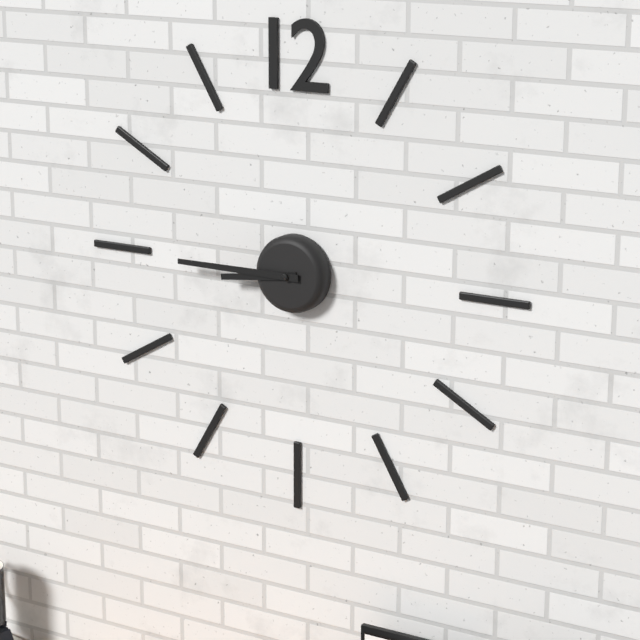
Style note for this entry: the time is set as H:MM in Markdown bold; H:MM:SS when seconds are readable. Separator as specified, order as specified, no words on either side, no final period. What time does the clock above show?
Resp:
**8:45**
